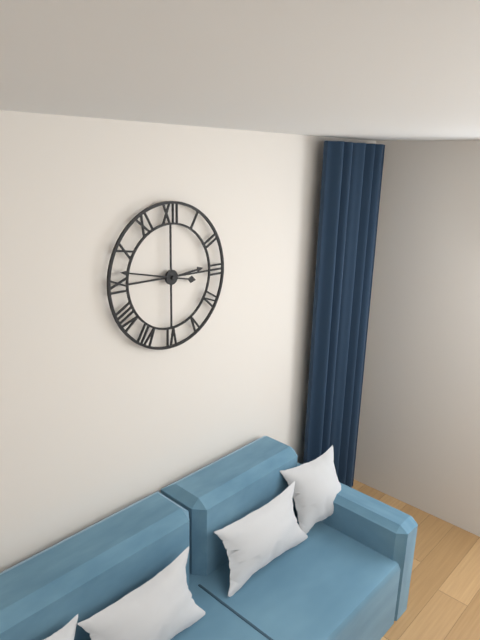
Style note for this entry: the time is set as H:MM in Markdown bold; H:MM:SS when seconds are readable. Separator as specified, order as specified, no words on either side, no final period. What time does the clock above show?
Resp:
**2:47**
